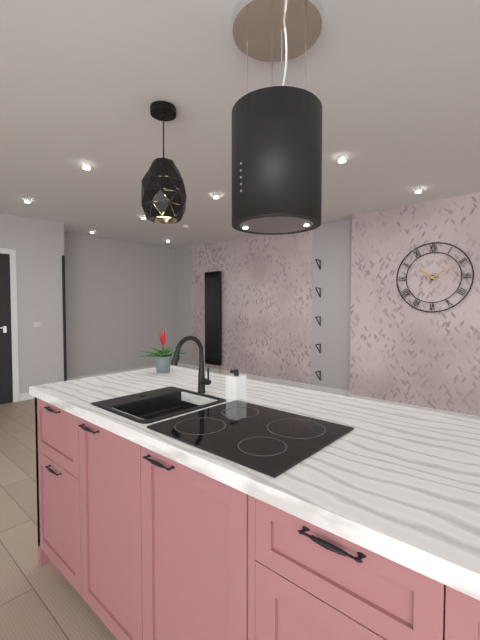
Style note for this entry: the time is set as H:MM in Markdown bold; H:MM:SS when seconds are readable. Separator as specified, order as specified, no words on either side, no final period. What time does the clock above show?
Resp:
**10:10**
